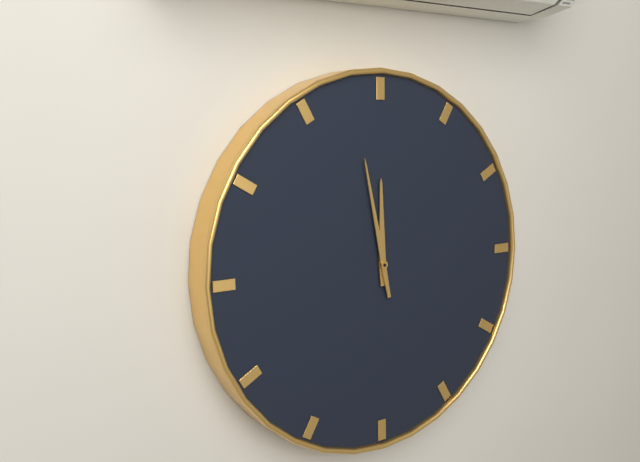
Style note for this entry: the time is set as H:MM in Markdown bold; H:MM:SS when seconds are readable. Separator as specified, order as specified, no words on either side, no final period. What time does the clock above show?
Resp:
**11:58**
